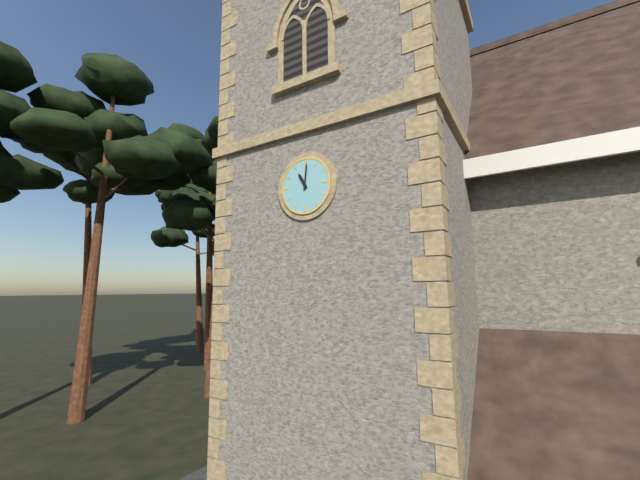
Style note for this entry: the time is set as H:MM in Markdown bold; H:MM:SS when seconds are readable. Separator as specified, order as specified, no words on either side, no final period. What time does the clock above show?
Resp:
**11:01**
